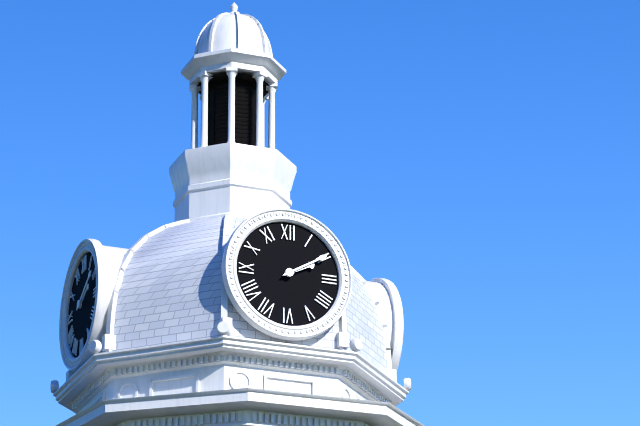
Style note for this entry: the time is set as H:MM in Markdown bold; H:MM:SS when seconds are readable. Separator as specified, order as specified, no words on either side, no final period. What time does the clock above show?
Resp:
**2:10**
